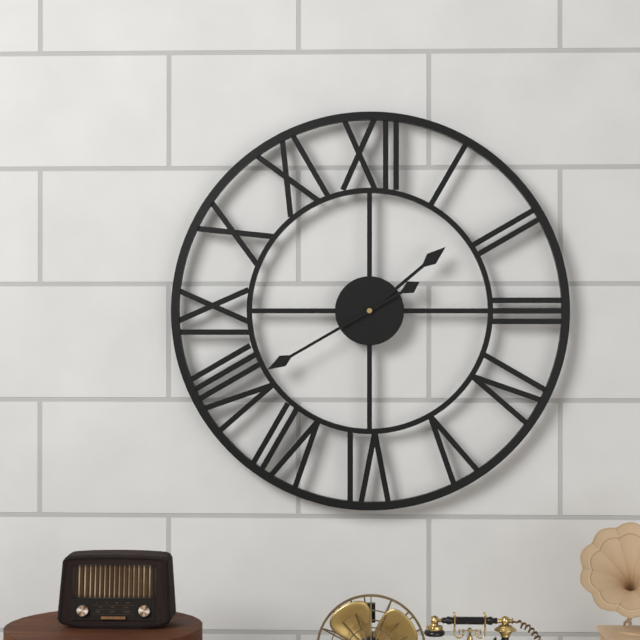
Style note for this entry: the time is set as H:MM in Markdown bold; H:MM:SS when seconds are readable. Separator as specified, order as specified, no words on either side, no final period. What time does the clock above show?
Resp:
**1:40**
